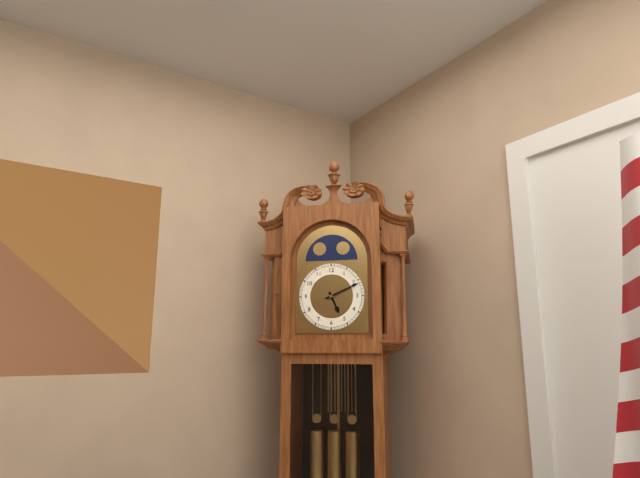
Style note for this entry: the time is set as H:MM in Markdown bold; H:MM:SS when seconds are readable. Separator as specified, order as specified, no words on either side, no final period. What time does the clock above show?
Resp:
**5:11**
